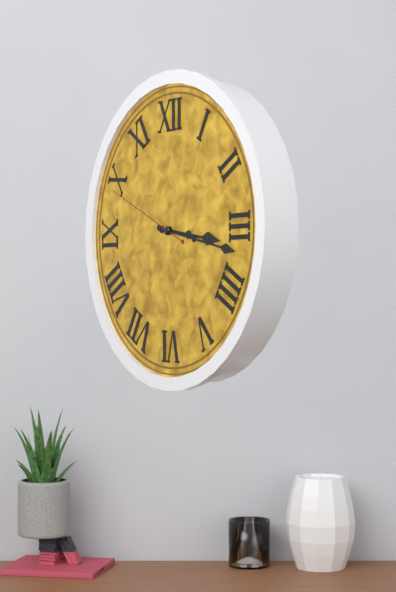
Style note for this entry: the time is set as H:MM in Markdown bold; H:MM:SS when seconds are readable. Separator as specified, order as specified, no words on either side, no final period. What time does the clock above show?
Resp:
**3:17:49**
